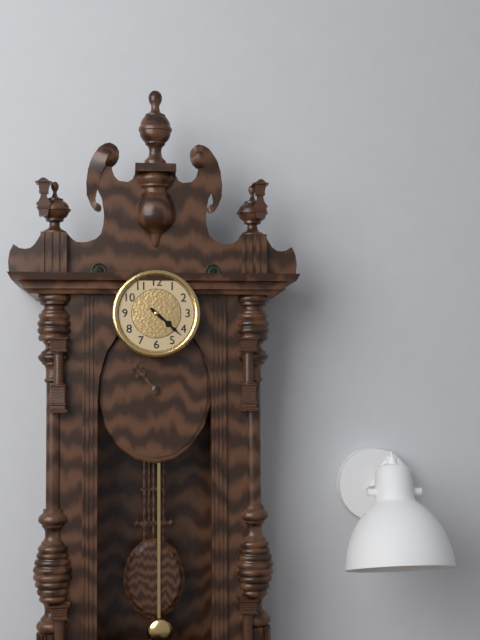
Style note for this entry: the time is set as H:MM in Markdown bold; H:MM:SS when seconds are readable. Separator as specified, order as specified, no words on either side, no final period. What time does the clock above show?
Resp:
**4:22**
